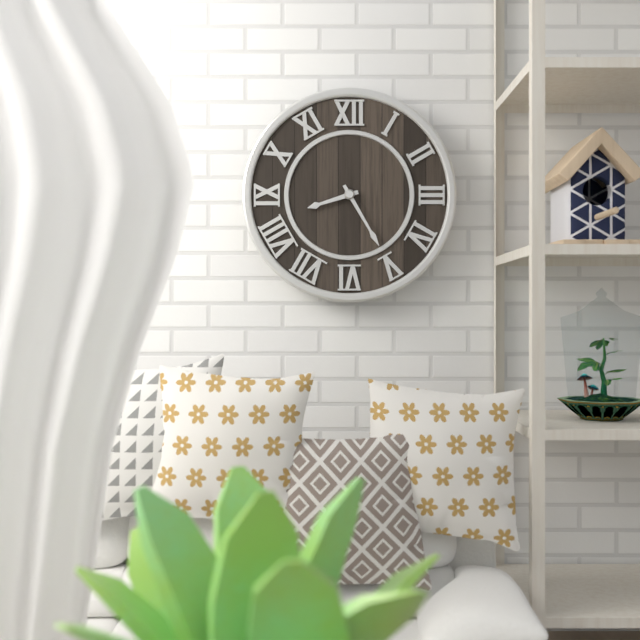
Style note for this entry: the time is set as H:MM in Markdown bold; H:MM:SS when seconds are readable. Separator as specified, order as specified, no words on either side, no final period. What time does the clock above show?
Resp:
**8:25**
